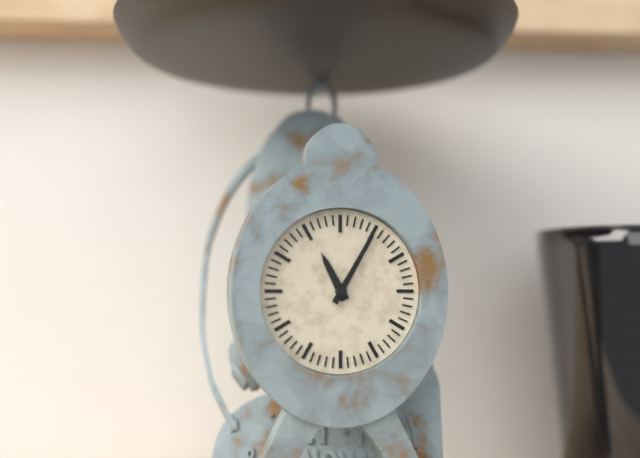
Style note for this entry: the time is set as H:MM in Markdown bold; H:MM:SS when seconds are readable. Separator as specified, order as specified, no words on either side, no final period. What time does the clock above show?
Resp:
**11:05**
